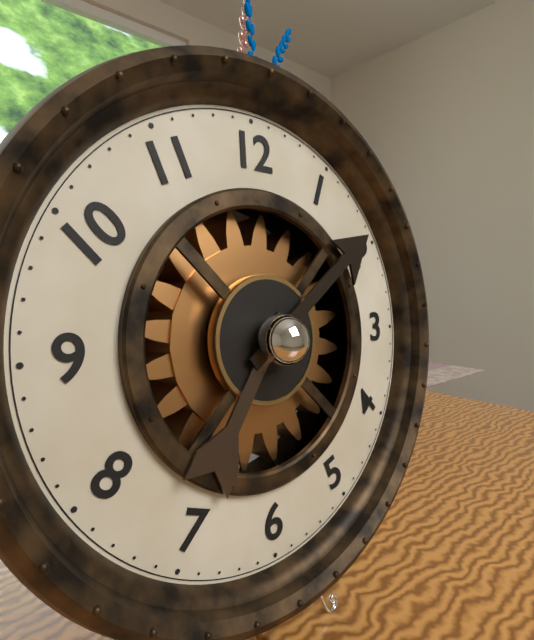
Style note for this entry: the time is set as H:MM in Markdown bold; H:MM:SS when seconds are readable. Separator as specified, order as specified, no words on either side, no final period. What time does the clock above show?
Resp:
**7:09**
